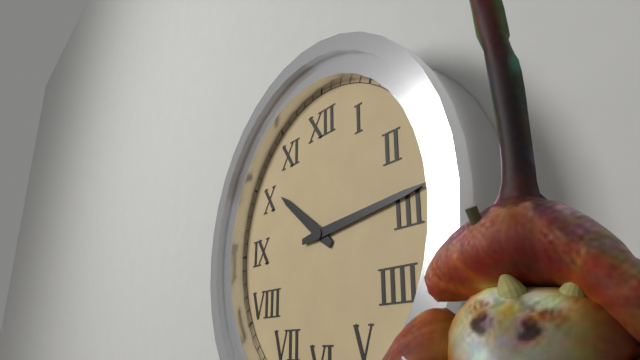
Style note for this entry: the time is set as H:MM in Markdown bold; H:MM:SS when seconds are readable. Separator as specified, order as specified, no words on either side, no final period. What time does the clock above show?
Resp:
**10:14**
